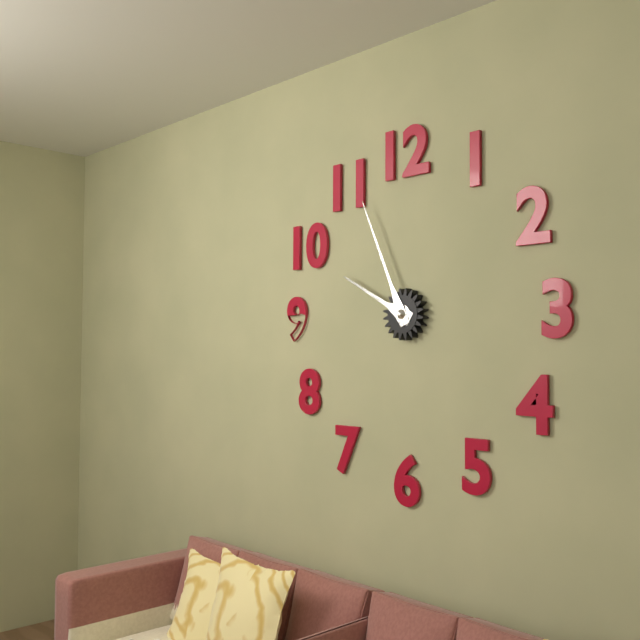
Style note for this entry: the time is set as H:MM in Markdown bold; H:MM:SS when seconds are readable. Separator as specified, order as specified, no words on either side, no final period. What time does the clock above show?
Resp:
**9:56**
